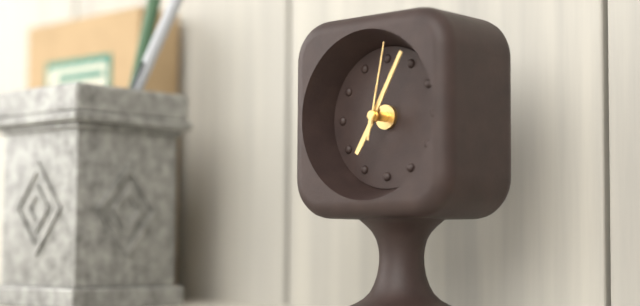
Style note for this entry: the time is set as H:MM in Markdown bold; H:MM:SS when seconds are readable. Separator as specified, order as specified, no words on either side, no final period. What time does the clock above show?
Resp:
**7:05:02**
